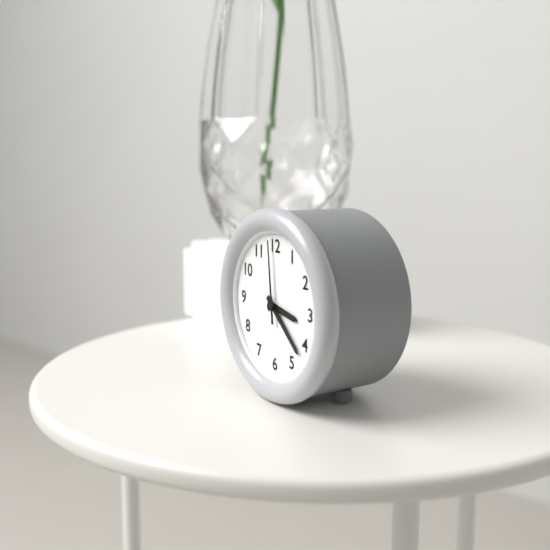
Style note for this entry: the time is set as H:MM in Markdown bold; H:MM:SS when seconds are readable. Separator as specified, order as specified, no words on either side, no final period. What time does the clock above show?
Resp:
**3:22:59**
